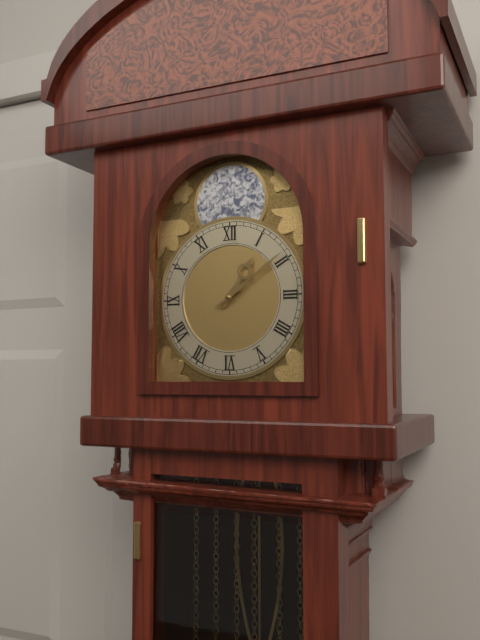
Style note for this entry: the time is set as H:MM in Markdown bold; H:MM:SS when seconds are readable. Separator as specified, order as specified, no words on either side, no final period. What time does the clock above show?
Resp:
**1:09**
